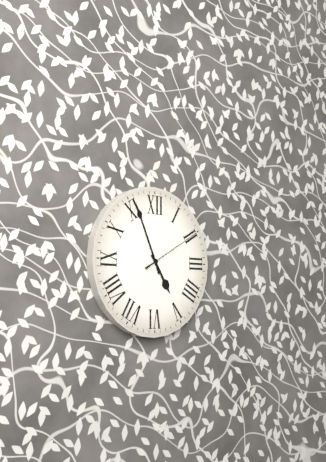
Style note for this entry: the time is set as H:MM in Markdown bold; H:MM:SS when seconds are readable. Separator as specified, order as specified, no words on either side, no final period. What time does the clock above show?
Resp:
**4:56:10**
